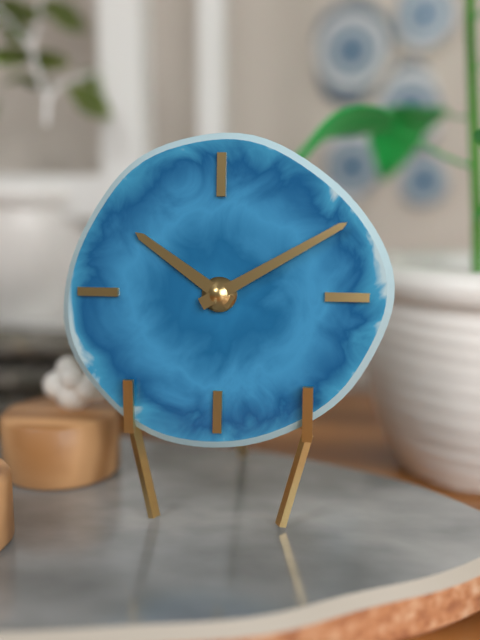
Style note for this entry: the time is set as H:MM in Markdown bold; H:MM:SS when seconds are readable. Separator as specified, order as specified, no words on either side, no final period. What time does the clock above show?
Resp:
**10:10**
